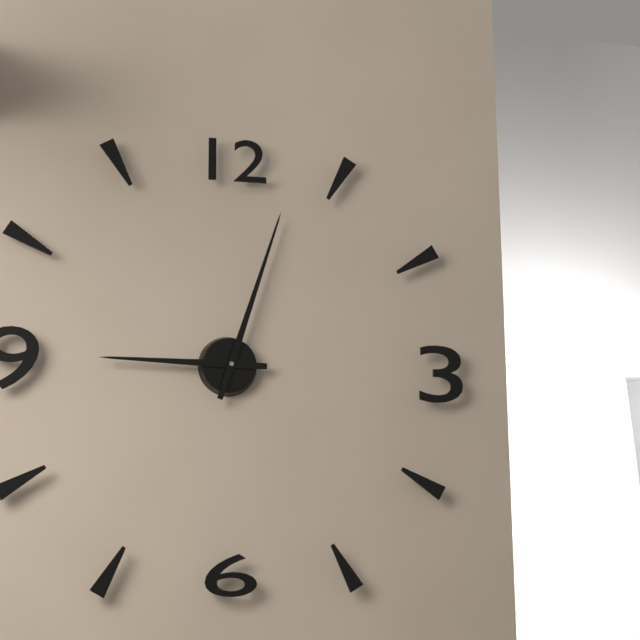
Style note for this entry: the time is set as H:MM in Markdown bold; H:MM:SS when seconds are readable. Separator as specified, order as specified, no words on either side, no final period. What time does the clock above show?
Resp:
**9:03**
